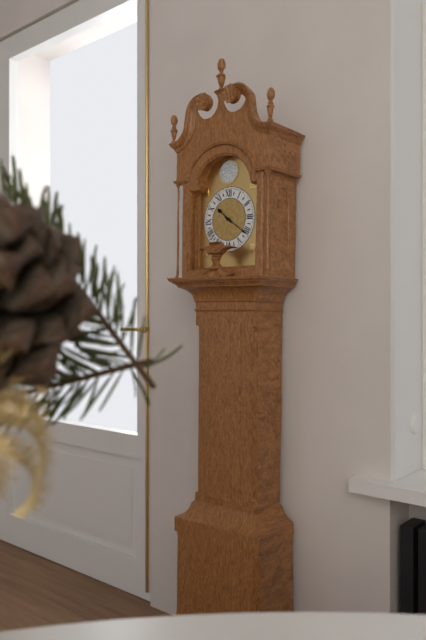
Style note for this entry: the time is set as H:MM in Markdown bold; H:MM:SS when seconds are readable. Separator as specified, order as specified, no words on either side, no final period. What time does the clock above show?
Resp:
**10:21**
